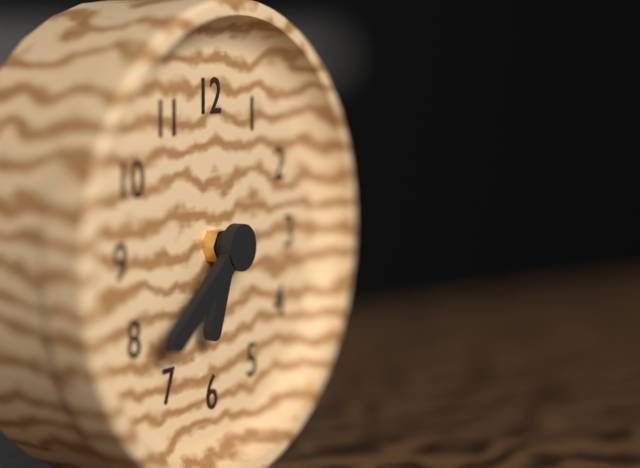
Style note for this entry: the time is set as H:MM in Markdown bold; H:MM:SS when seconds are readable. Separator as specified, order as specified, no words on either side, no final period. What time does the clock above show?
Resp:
**6:39**
